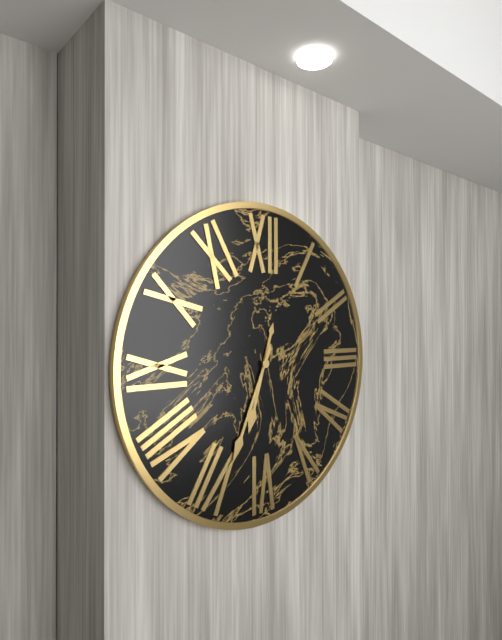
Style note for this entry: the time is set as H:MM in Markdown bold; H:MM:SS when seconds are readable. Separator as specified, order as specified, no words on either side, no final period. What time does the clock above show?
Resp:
**6:34**
